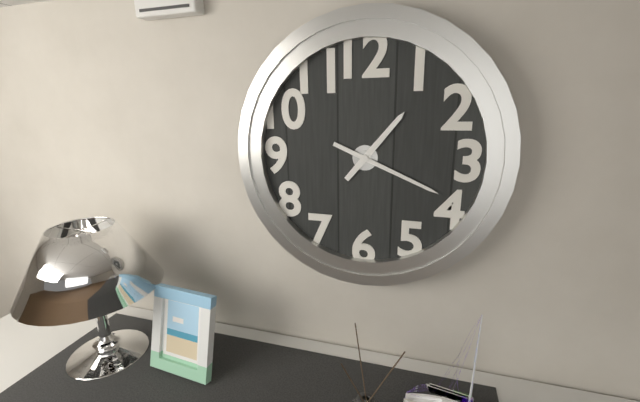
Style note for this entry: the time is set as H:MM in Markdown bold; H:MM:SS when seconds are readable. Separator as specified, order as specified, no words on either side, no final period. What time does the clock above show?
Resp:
**1:19**
